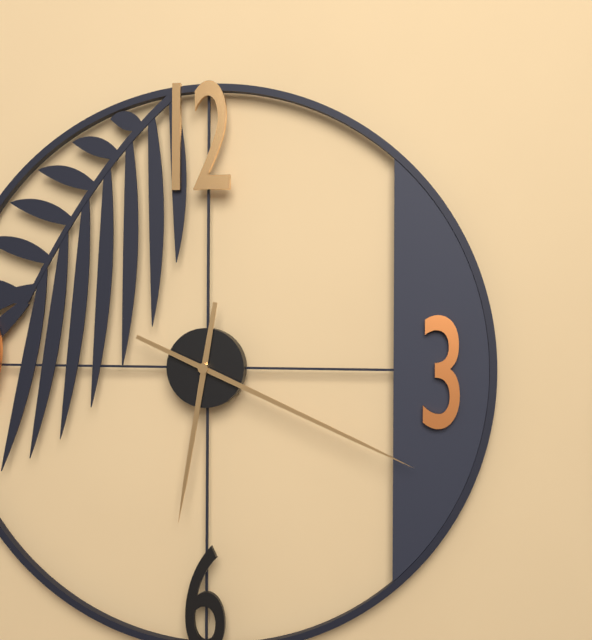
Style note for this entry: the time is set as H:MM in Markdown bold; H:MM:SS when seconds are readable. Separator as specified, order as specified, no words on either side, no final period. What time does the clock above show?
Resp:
**6:19**
